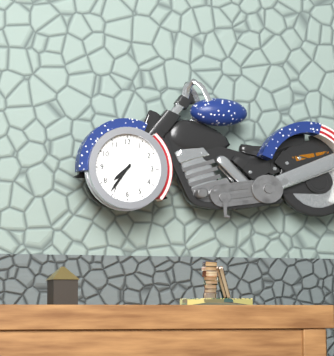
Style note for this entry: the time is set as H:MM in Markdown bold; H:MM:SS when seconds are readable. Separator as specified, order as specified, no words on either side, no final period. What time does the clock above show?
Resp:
**7:36**
